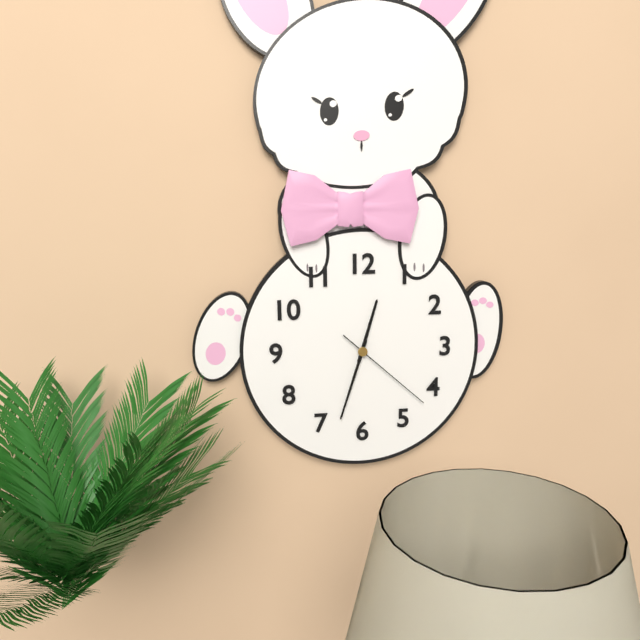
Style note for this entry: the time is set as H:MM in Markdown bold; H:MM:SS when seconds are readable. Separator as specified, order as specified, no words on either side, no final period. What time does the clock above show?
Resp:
**12:33:22**
